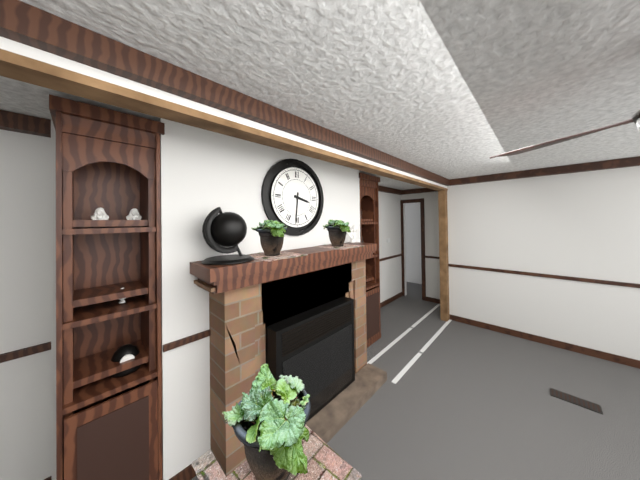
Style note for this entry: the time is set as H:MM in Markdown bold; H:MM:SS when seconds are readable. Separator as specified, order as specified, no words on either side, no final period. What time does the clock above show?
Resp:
**3:31**
